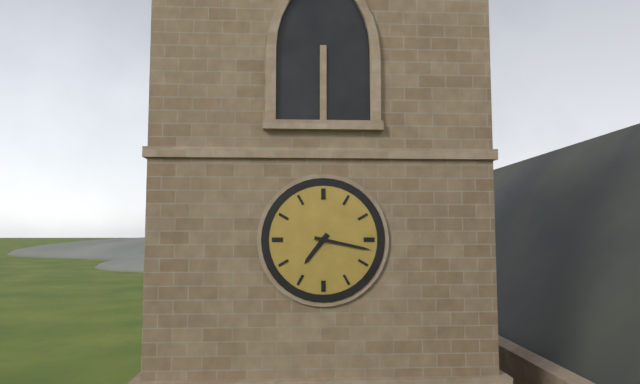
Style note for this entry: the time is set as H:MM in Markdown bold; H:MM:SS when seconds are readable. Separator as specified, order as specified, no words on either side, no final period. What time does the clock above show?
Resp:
**7:17**
